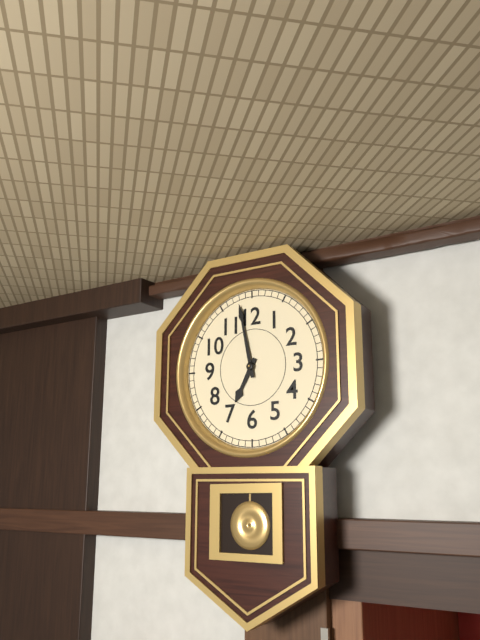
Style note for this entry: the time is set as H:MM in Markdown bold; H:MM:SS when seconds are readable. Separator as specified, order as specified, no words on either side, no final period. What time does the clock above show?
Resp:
**6:58**
